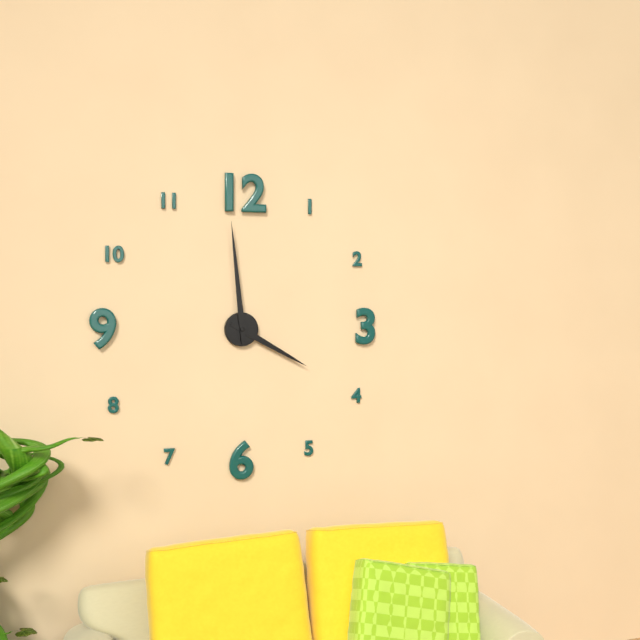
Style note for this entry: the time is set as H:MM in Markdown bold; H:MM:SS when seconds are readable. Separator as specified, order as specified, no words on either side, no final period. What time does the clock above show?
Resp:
**3:59**
